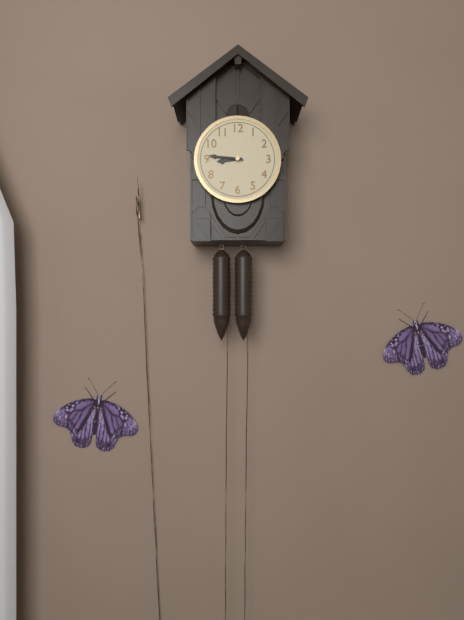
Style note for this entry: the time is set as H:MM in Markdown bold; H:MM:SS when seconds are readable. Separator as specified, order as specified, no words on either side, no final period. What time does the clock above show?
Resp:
**8:46**
